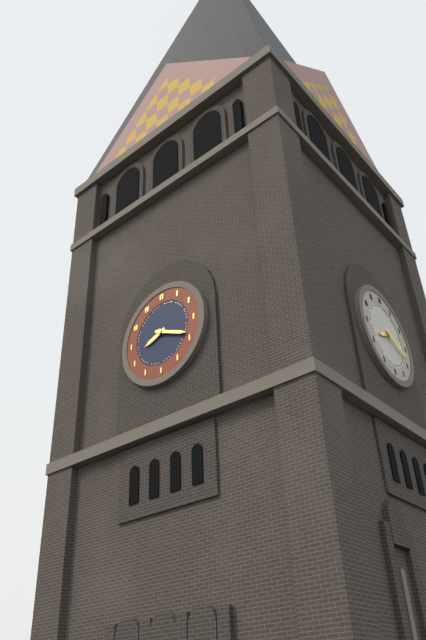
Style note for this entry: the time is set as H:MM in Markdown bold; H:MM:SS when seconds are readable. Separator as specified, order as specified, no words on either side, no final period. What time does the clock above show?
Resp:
**8:19**
